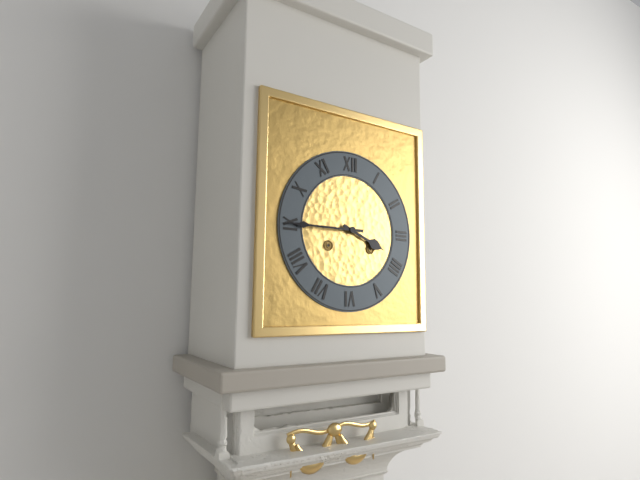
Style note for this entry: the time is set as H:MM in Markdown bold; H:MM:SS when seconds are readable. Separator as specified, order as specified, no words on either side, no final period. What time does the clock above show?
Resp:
**3:45**
